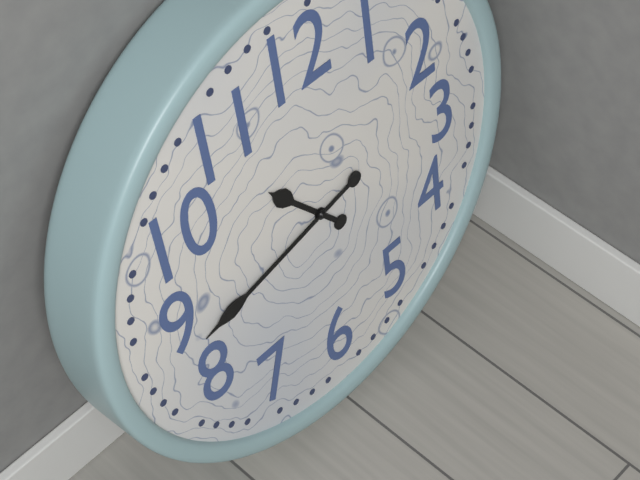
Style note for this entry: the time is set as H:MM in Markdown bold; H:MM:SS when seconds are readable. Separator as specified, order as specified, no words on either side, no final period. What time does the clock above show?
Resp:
**10:43**
